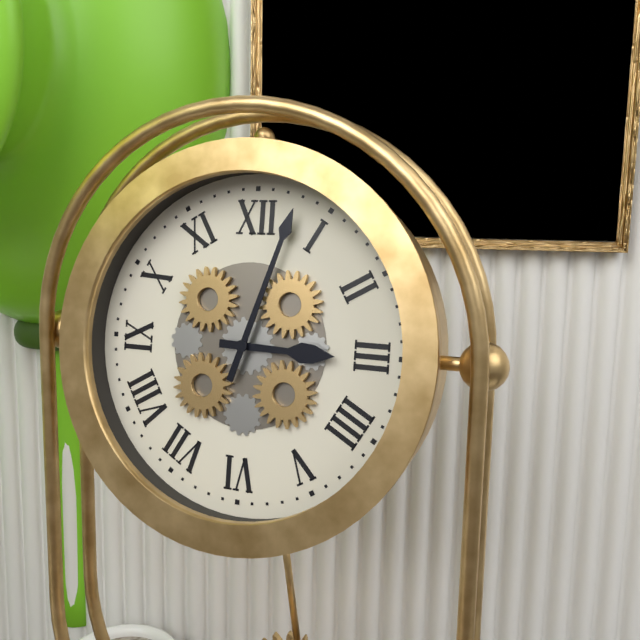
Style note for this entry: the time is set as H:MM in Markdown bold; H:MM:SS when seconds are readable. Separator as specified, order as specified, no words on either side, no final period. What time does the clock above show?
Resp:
**3:03**
